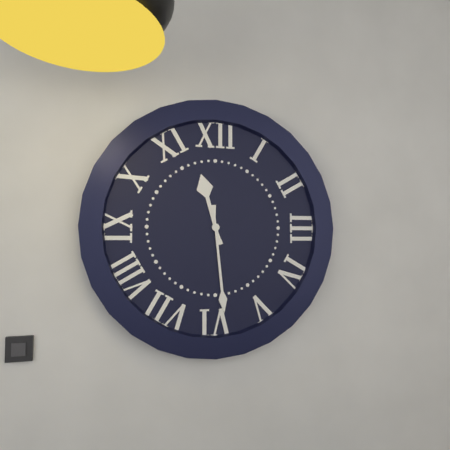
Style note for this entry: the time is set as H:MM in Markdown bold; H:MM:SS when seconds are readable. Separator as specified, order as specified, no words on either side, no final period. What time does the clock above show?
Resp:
**11:29**
